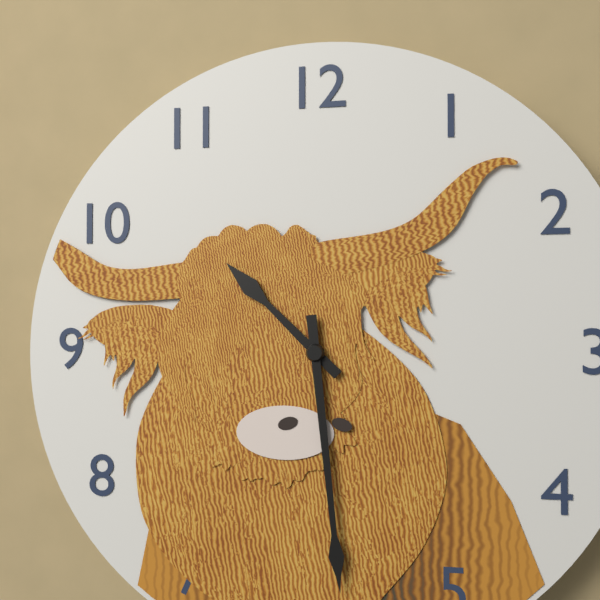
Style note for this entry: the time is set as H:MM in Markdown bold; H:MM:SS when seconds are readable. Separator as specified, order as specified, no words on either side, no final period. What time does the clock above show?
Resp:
**10:29**
